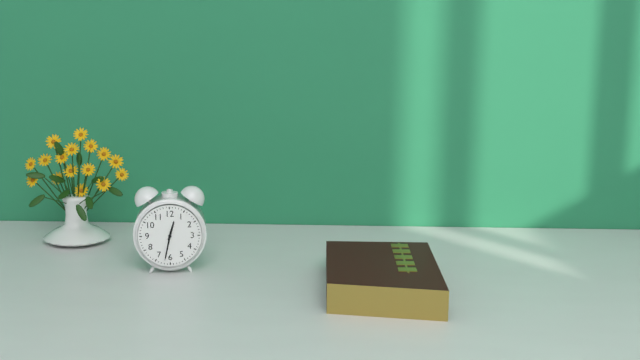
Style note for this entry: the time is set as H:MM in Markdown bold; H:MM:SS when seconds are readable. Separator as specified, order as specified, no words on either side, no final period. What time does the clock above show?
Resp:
**12:32**
